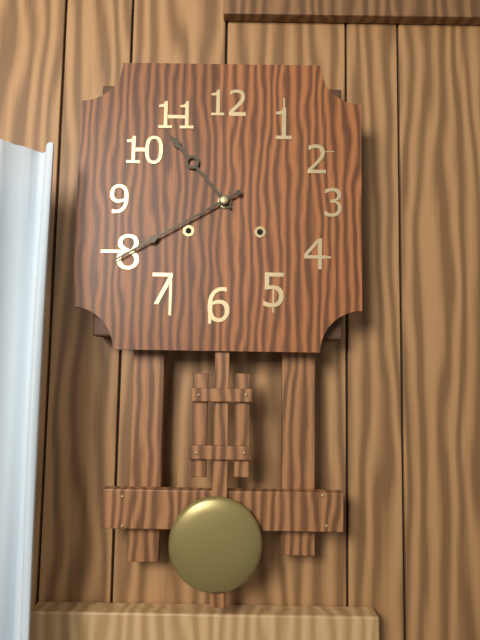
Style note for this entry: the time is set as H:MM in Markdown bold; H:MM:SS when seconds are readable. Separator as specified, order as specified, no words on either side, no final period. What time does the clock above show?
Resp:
**10:40**
